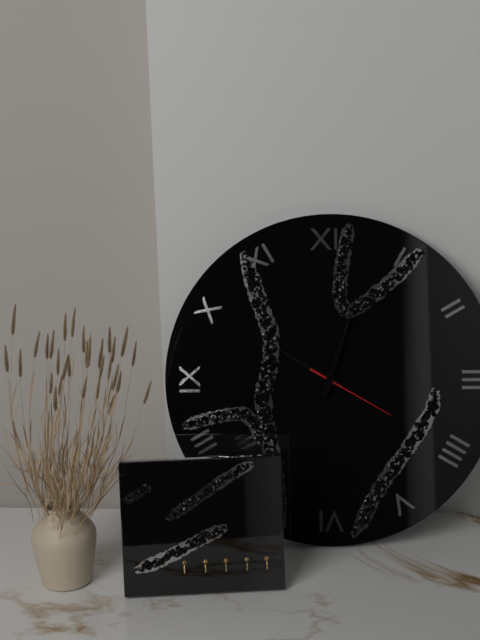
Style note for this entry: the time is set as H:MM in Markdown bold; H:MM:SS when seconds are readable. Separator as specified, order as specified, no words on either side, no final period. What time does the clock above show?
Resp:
**10:03:20**
